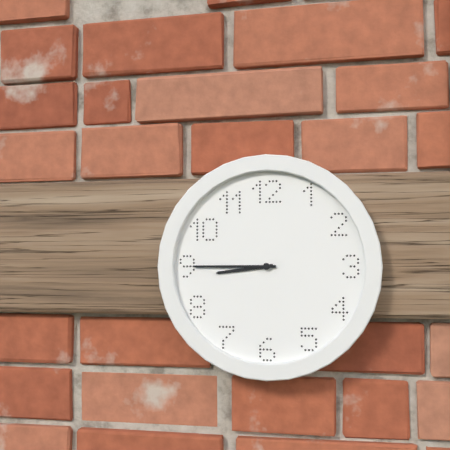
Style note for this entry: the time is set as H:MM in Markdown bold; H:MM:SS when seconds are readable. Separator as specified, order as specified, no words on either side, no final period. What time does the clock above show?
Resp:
**8:45**
